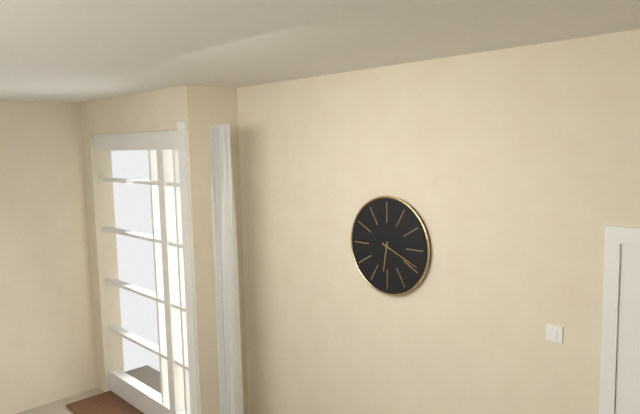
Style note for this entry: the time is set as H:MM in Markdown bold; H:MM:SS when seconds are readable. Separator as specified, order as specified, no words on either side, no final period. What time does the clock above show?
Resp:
**6:19**
